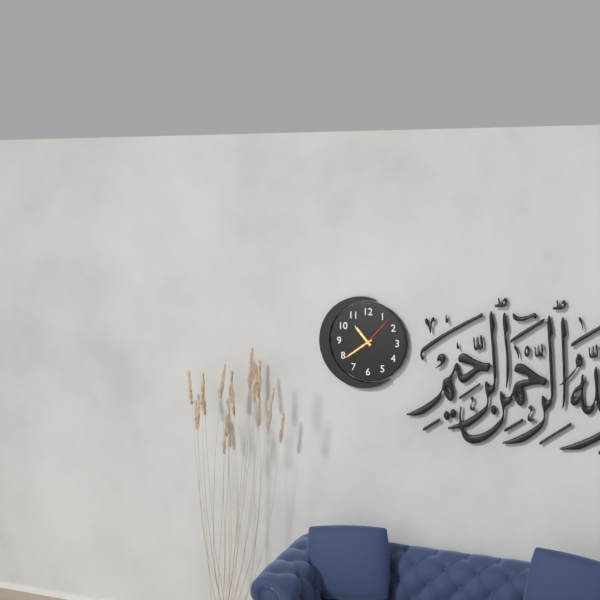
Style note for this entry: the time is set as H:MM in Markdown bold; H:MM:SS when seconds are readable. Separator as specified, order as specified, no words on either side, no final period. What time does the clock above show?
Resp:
**10:39**
